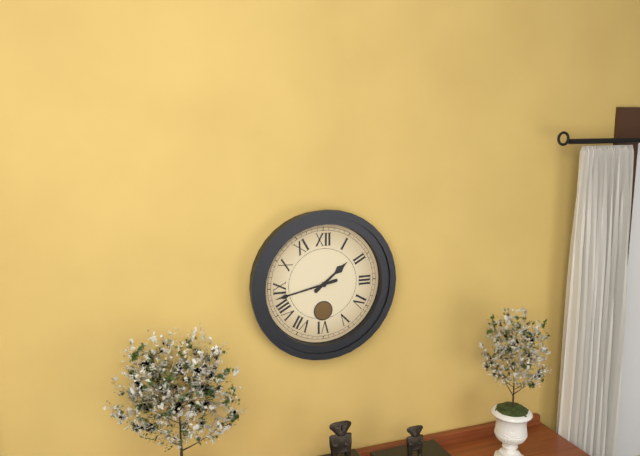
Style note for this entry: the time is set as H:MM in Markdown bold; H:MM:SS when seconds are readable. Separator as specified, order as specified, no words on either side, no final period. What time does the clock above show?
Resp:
**1:43**
